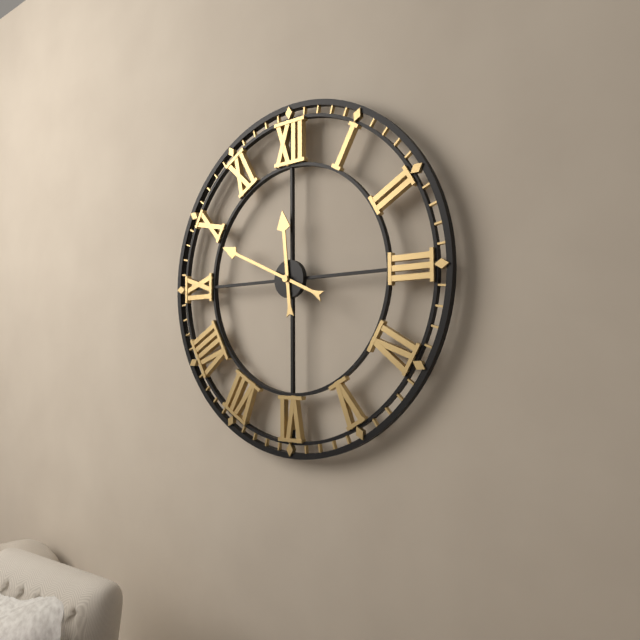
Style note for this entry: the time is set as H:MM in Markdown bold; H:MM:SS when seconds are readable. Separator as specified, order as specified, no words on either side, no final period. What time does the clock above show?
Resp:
**11:49**
